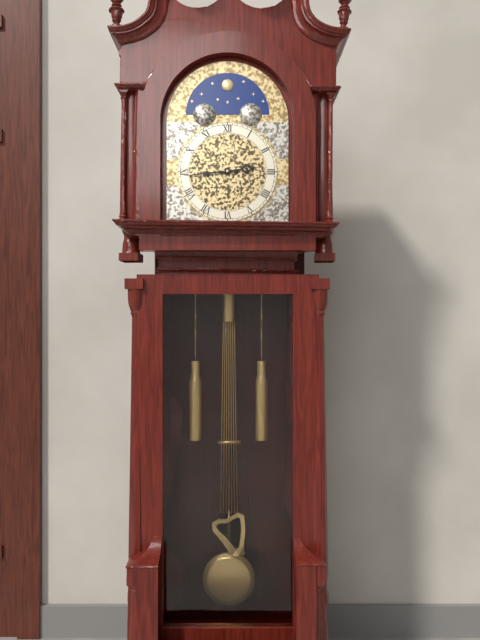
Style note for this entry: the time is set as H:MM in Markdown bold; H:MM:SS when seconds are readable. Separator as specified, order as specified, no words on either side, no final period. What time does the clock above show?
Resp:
**2:44**
